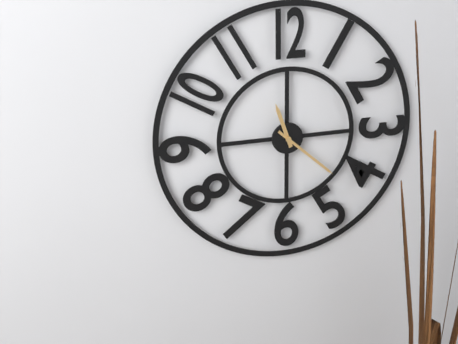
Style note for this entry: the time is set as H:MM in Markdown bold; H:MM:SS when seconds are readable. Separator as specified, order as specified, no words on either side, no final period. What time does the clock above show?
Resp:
**11:22**
